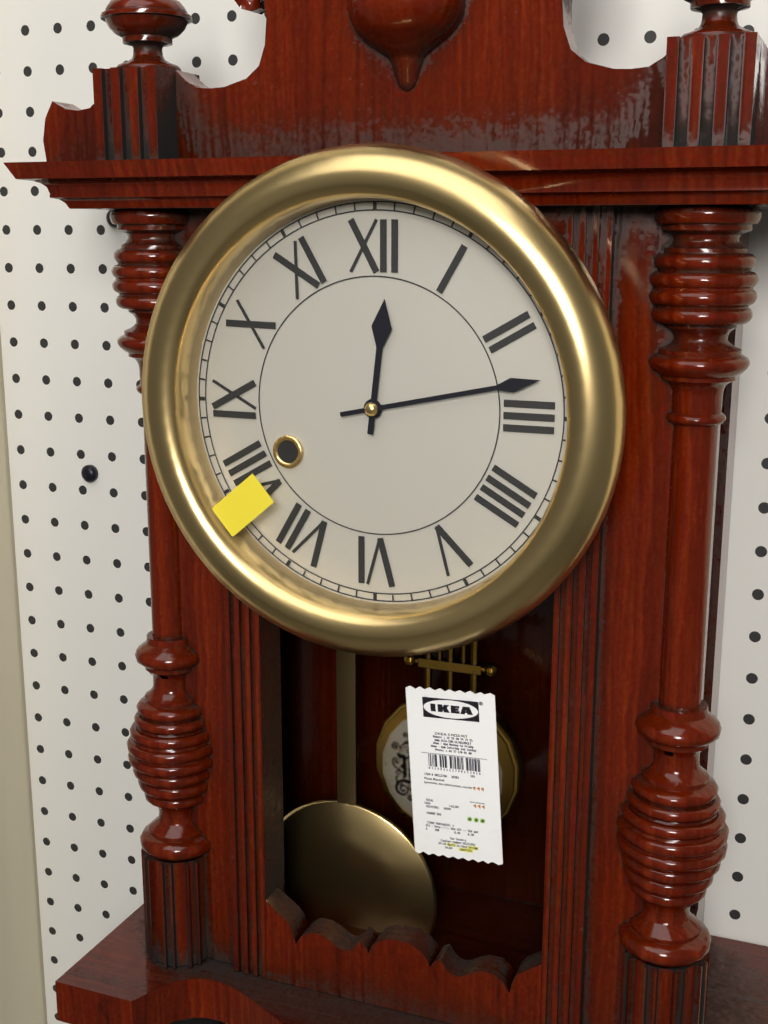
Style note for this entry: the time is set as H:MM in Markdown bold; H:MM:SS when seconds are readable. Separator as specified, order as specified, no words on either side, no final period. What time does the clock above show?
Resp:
**12:13**
